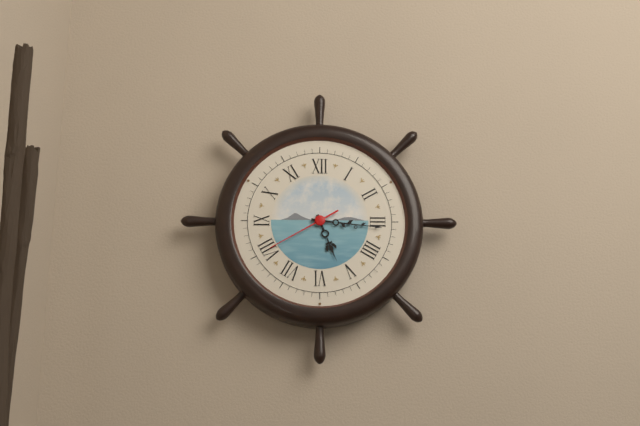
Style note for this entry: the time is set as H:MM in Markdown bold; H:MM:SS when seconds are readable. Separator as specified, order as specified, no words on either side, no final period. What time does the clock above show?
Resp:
**5:16:40**
